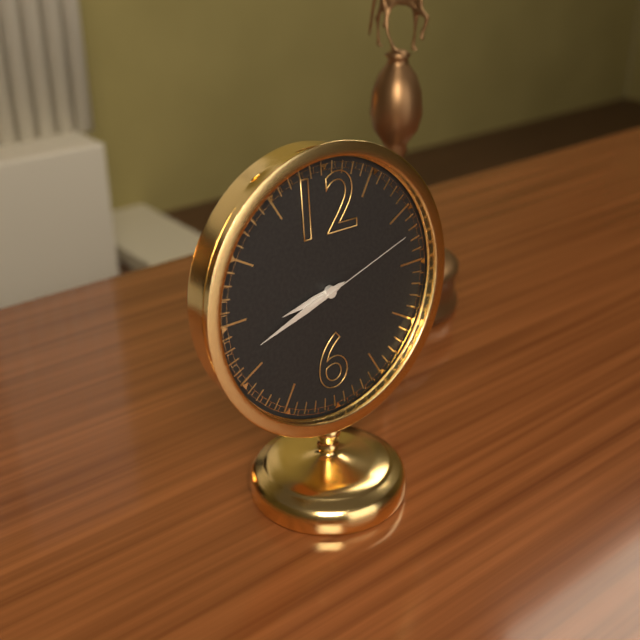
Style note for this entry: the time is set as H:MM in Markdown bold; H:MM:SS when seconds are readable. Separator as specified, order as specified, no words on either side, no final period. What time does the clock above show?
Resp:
**8:42:12**
